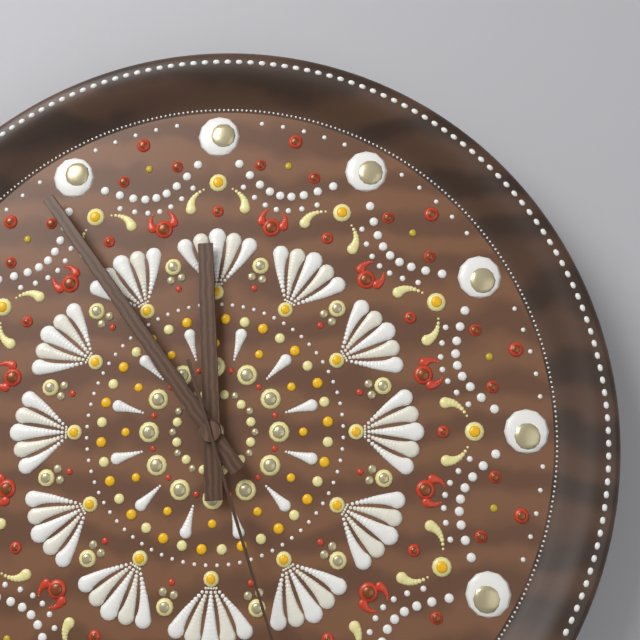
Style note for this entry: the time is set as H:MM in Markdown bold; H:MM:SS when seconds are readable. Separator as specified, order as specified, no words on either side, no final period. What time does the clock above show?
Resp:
**11:54**
